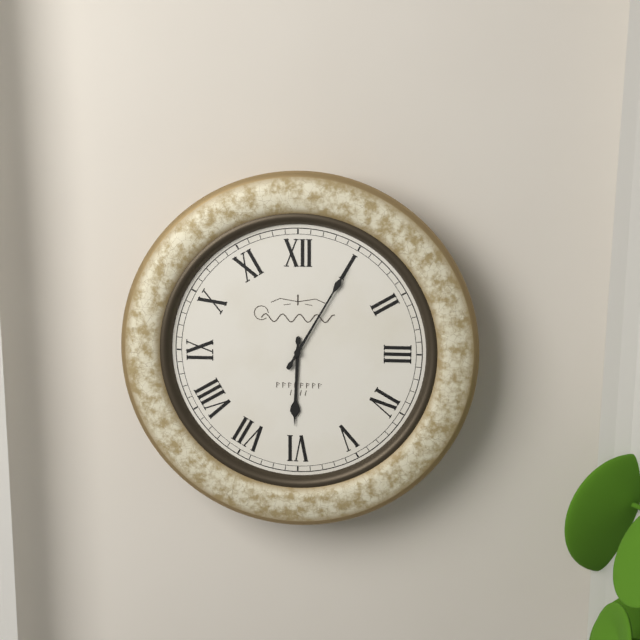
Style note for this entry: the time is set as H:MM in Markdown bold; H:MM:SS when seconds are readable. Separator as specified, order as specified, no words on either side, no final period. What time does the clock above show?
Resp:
**6:05**
